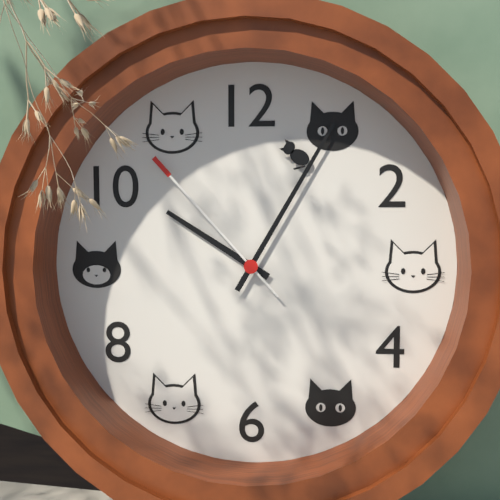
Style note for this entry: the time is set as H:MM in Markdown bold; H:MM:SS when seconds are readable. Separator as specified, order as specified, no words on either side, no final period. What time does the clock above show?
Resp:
**10:05:53**
